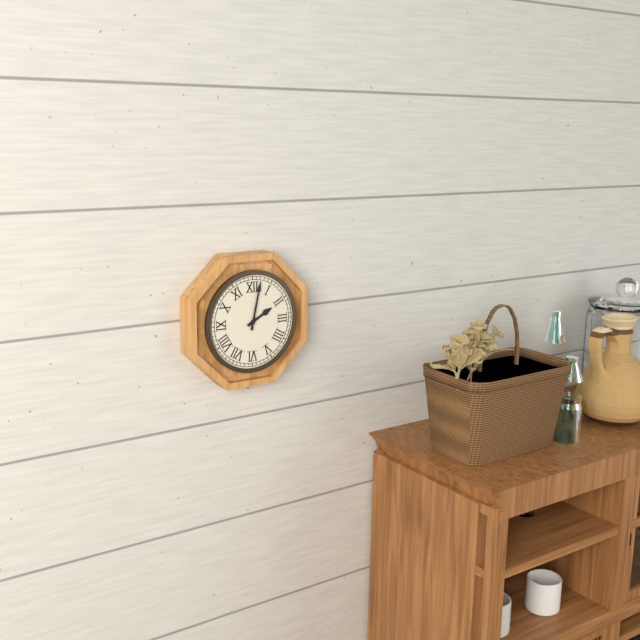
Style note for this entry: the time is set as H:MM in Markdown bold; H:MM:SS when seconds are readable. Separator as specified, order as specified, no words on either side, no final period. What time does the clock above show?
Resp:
**2:02**
